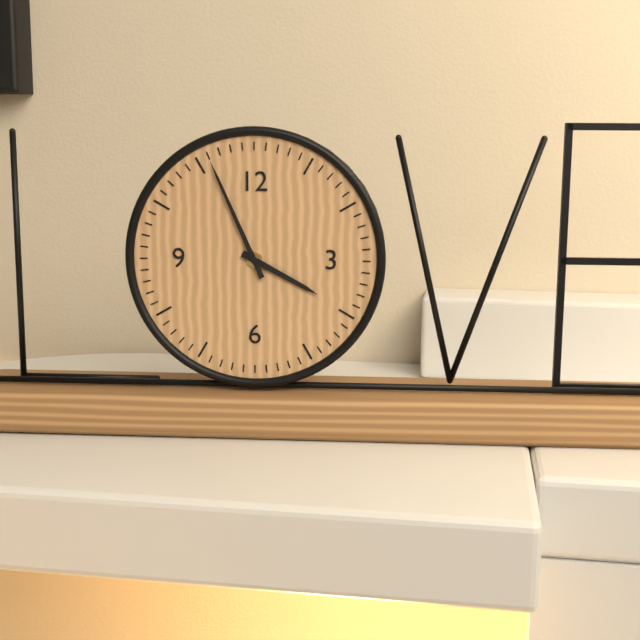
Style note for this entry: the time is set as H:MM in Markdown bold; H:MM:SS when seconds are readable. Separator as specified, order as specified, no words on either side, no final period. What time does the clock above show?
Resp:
**3:56**
